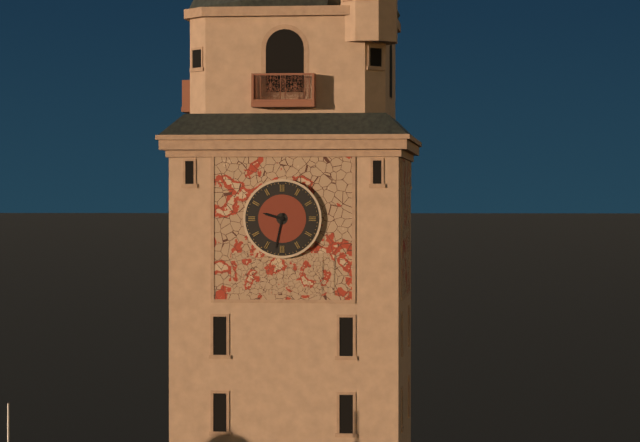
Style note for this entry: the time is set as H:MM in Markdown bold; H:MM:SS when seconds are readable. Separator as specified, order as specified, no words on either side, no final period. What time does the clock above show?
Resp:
**9:32**
